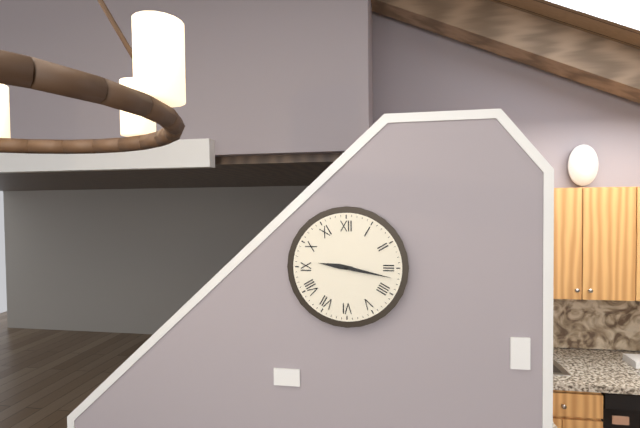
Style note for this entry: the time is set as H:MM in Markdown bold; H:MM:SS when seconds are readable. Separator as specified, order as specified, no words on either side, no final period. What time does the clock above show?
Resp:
**9:17**
